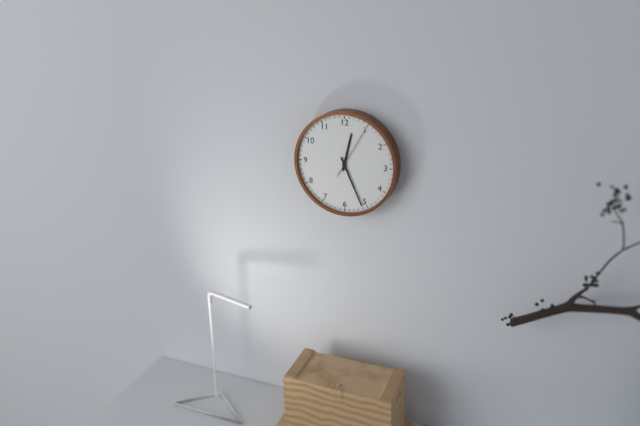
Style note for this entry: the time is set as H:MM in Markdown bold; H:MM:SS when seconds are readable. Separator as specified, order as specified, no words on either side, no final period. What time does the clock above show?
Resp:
**12:26**
